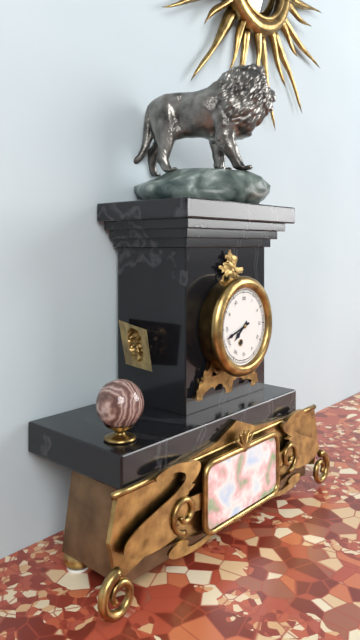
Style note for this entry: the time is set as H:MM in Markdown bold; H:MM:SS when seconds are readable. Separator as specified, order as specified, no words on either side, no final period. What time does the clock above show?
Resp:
**7:42**
